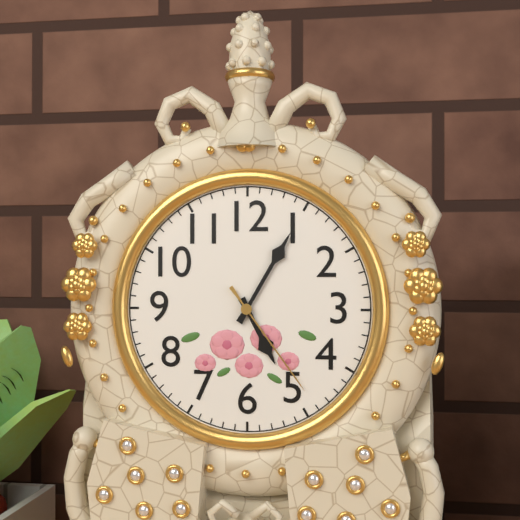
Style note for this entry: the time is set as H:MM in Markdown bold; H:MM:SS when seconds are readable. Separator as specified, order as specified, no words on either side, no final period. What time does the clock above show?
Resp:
**5:05:24**
